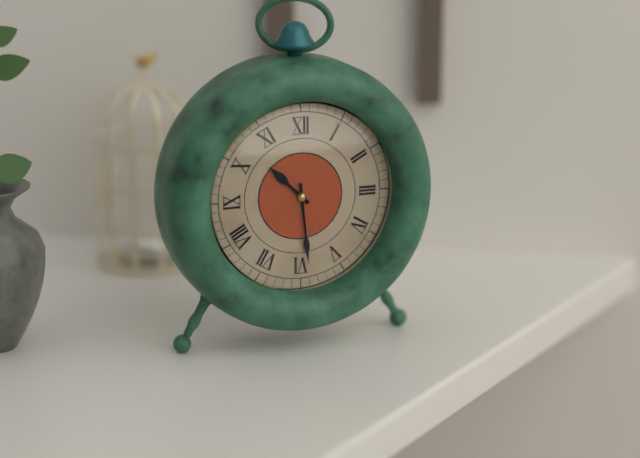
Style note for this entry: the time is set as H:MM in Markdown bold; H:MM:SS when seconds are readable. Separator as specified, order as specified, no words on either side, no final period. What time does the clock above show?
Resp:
**10:29**
